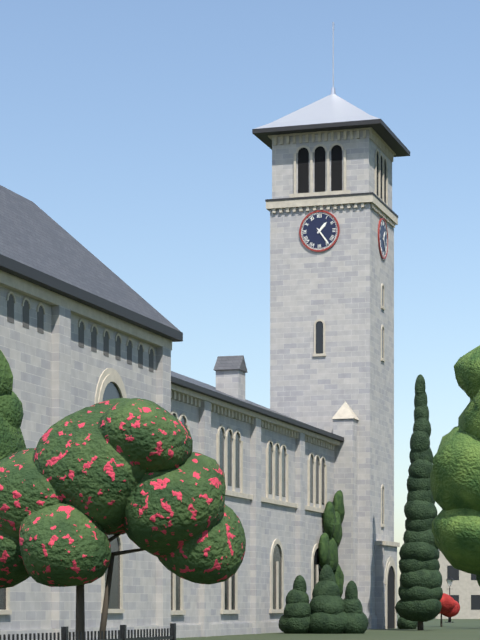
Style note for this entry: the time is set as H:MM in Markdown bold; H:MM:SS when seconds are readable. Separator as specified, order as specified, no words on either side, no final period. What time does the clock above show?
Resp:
**1:24**
